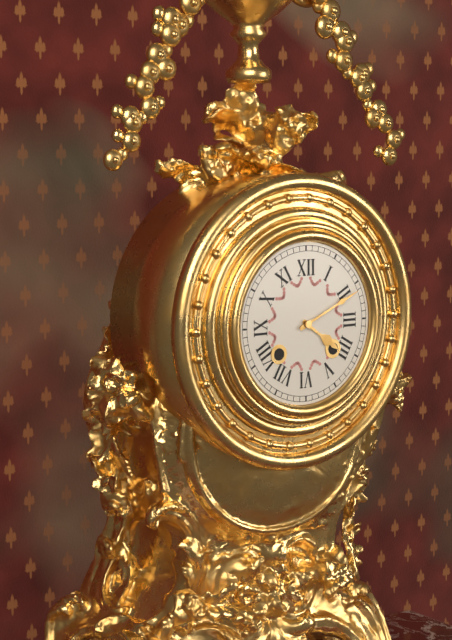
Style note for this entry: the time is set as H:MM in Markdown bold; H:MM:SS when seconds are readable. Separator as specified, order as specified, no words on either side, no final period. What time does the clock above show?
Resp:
**4:11**
